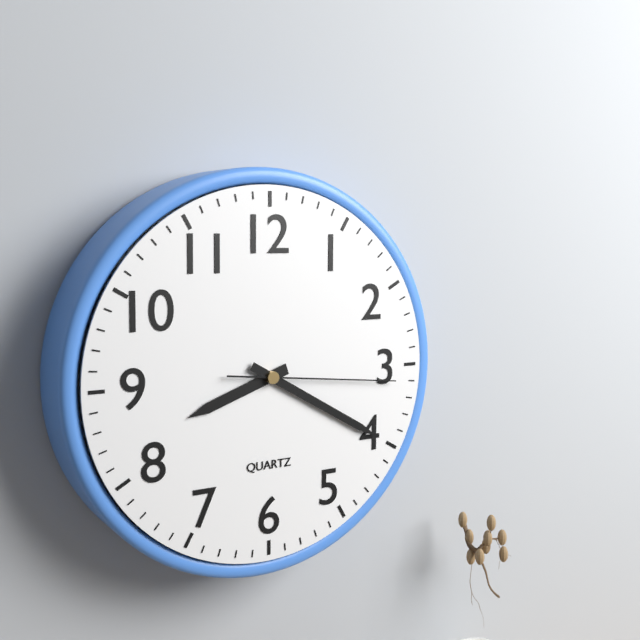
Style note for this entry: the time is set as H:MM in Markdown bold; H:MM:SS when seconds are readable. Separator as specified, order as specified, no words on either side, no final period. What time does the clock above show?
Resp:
**8:20:16**
